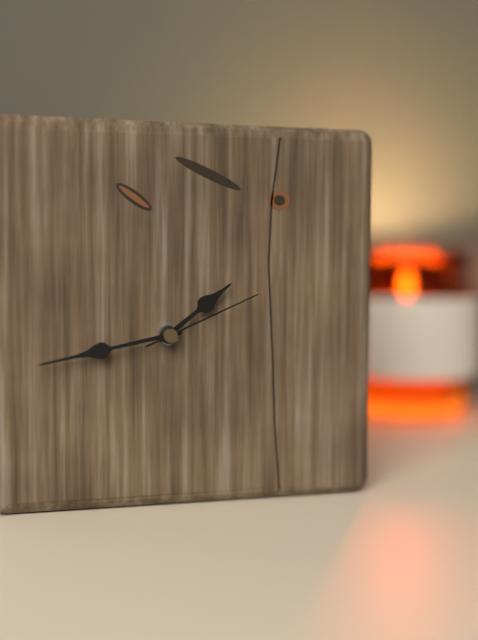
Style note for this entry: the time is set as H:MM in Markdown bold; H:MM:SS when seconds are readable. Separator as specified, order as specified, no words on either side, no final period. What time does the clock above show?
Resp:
**1:43:11**
